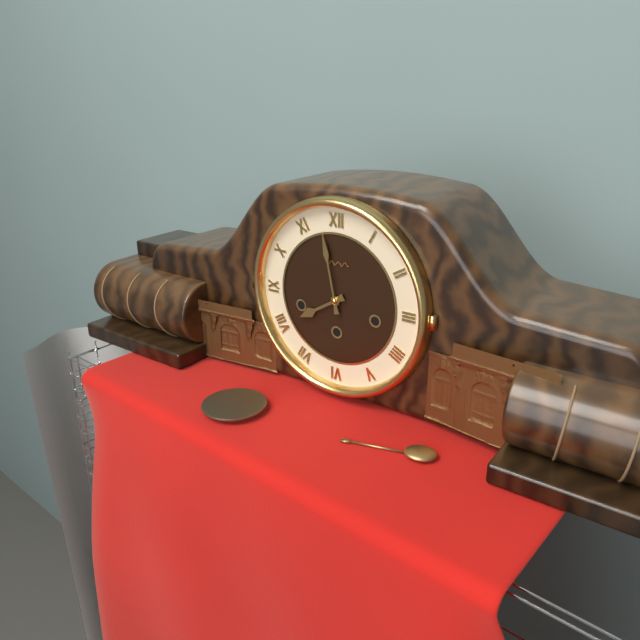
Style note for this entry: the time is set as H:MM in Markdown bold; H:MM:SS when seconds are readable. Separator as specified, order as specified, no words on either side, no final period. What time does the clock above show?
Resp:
**7:58**
